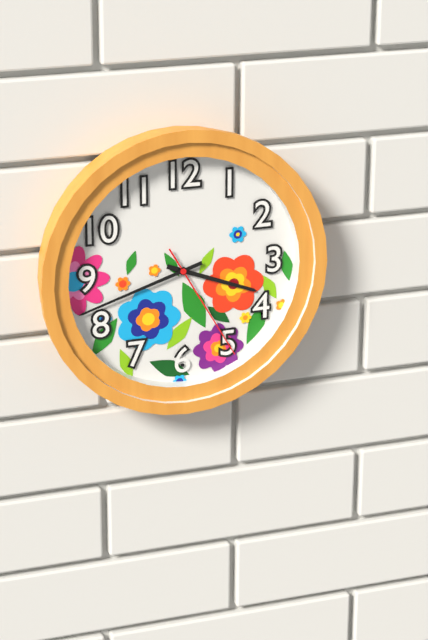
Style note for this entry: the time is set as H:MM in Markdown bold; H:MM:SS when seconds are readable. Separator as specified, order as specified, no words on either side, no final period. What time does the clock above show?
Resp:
**3:42:25**
